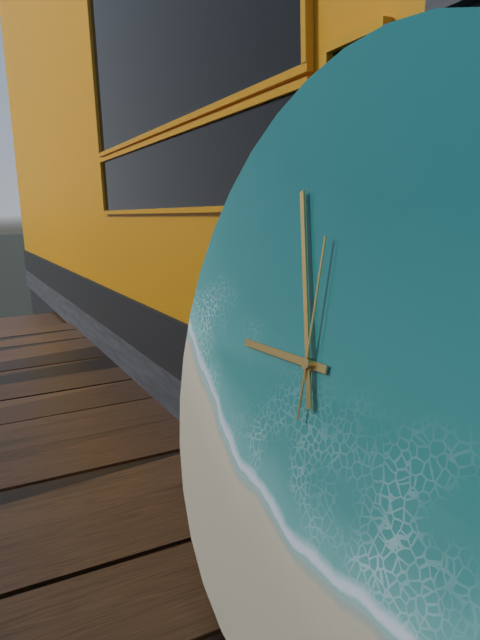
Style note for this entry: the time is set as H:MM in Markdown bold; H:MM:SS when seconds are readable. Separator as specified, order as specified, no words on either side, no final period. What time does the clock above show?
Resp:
**8:56:59**
